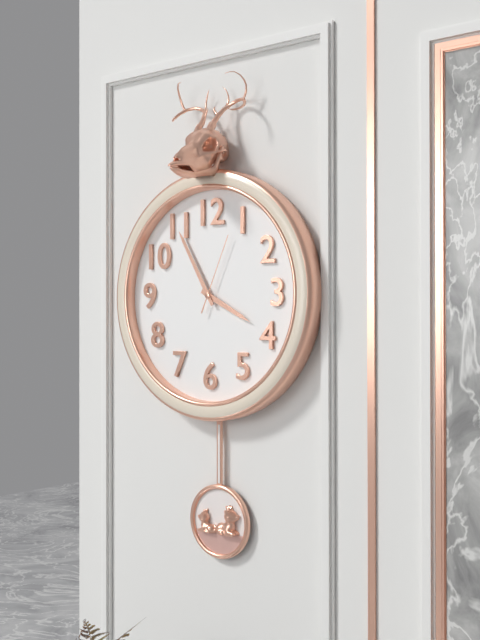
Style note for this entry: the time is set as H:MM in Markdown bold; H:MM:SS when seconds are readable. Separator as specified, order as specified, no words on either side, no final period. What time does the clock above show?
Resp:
**3:55:04**
